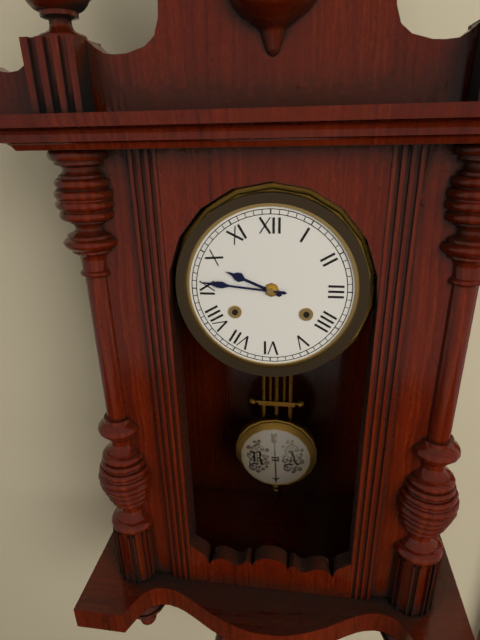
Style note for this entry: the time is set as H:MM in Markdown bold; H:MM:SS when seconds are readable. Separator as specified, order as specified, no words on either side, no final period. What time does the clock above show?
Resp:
**9:46**
